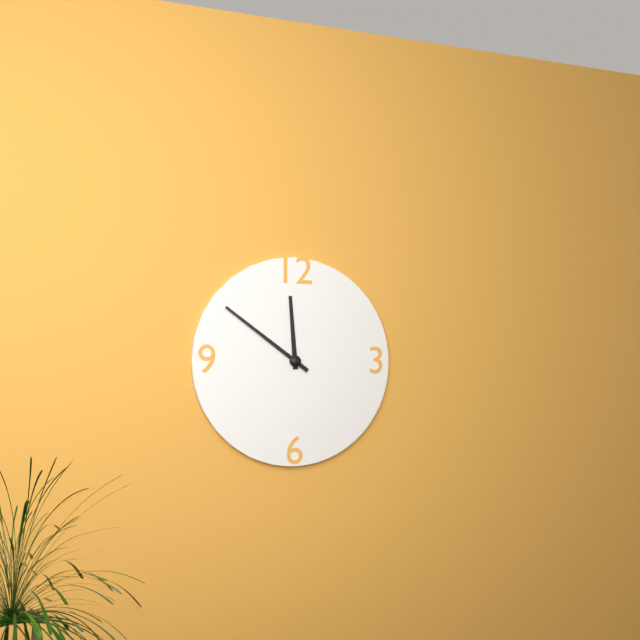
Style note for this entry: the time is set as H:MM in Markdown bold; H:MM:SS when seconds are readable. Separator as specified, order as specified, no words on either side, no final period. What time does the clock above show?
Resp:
**11:51**
